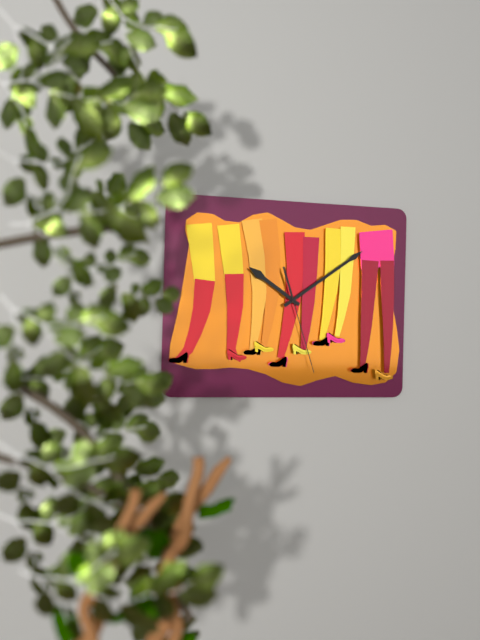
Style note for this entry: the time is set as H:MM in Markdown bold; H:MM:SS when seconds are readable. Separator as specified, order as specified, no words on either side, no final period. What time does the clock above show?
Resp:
**10:09:27**
